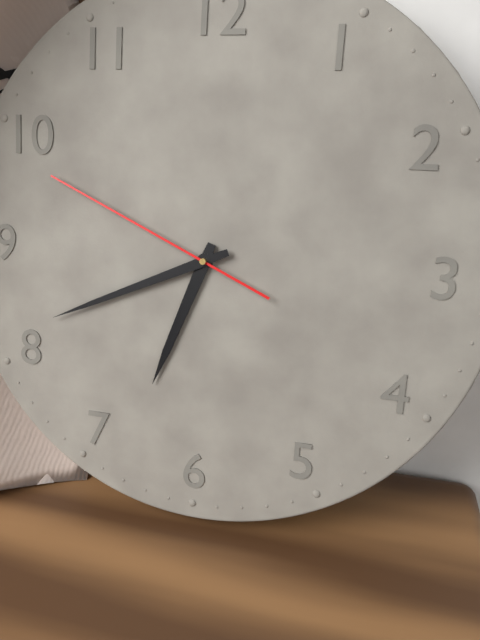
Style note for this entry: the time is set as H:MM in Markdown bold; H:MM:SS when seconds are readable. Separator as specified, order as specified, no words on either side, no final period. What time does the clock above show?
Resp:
**6:41:49**
